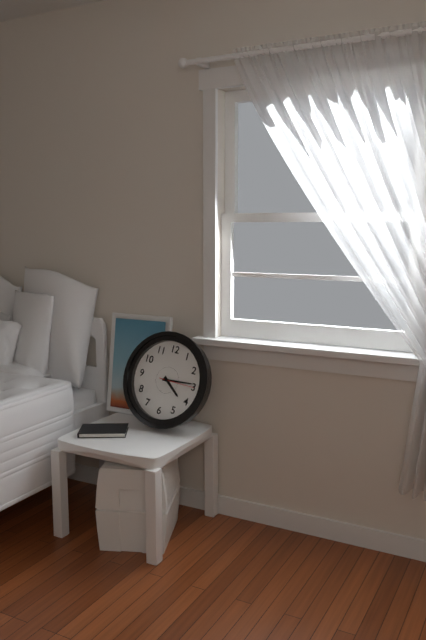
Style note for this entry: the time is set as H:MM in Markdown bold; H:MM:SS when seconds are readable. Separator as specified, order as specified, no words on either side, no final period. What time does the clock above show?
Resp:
**4:14**
